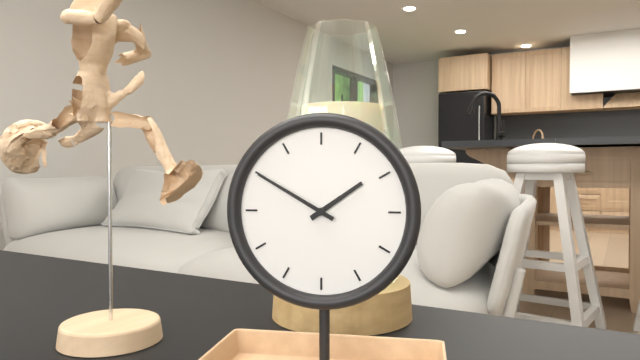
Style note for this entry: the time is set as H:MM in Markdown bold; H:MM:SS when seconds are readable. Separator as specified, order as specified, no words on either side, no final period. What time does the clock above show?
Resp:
**1:50**
